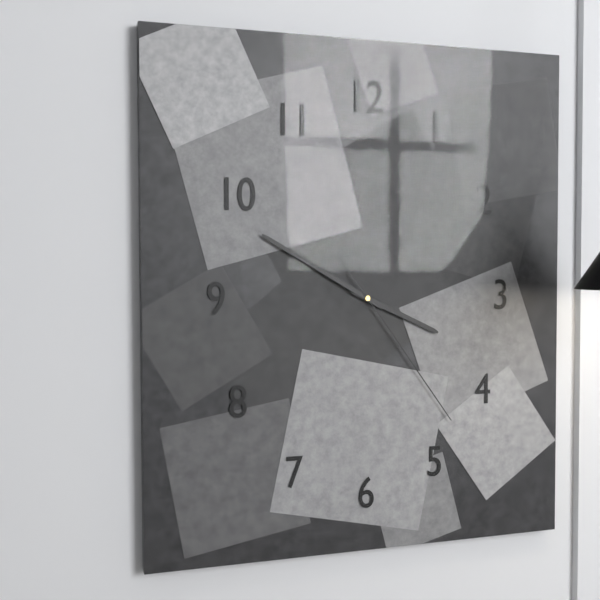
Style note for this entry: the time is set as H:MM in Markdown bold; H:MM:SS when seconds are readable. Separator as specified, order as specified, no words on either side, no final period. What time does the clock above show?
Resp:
**3:50:24**
